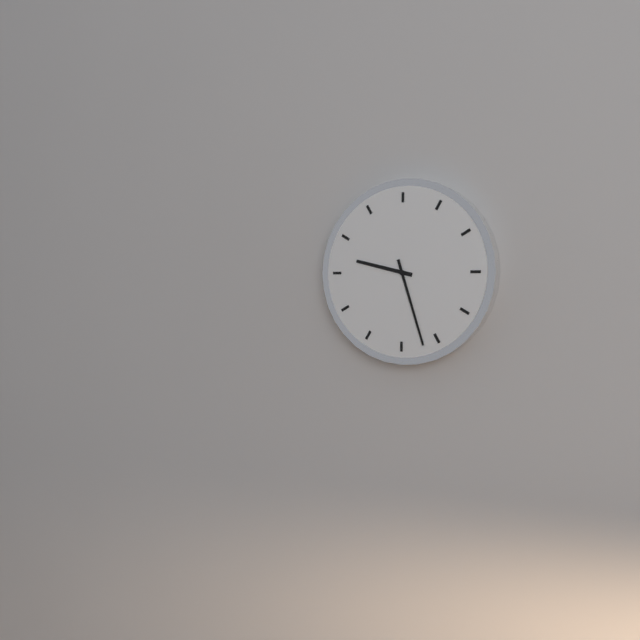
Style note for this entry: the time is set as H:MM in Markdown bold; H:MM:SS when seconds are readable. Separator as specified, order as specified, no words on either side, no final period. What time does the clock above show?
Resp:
**9:27**
